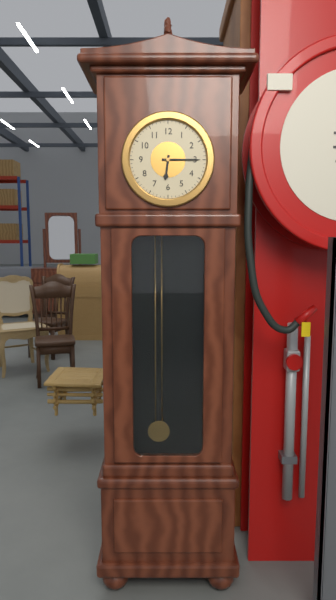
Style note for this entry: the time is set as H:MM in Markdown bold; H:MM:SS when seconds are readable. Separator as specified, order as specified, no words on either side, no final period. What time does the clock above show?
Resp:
**6:15**
